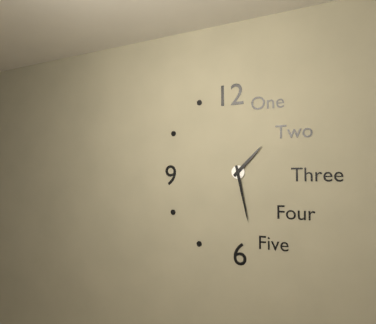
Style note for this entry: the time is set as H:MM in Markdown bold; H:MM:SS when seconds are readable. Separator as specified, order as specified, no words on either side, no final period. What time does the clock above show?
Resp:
**1:28**
